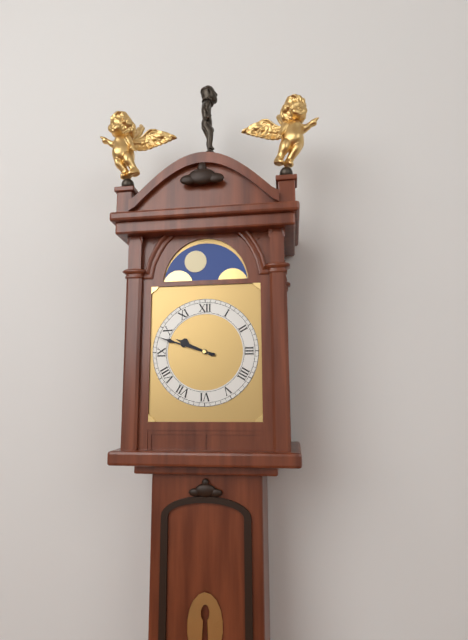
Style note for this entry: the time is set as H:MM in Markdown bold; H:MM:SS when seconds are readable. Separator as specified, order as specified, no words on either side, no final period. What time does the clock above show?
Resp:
**9:48**
